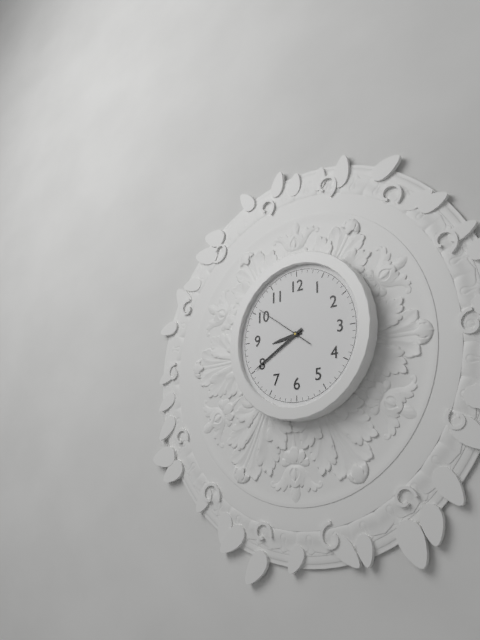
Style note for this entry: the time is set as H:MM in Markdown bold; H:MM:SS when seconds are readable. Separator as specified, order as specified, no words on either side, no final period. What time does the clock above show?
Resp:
**8:40:51**
